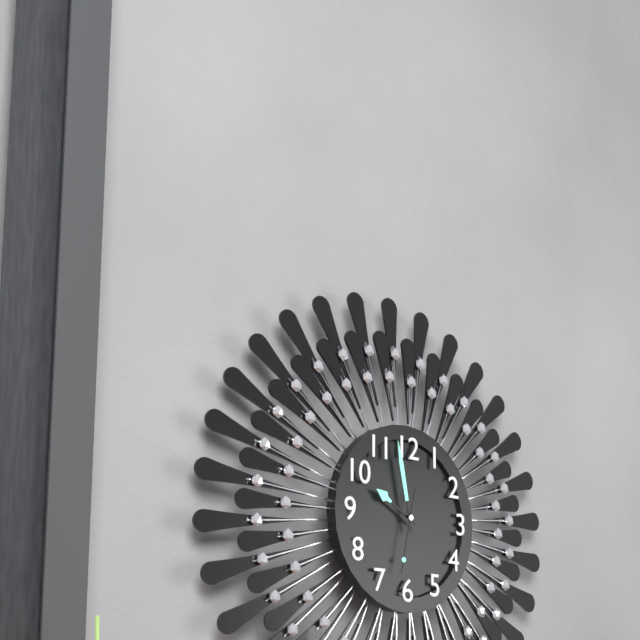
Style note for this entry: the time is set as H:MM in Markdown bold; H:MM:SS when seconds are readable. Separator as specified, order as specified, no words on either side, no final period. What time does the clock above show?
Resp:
**9:58:32**
